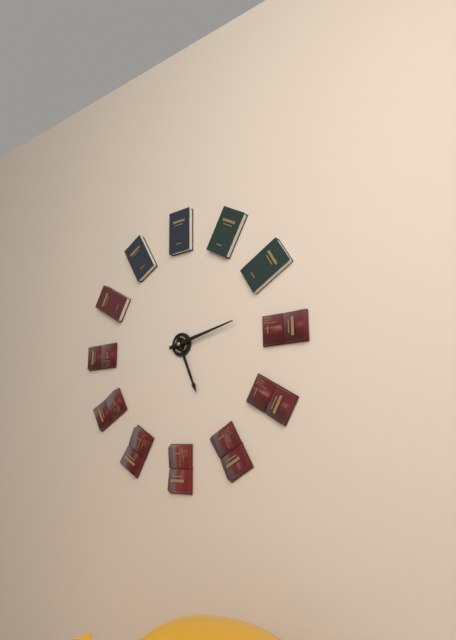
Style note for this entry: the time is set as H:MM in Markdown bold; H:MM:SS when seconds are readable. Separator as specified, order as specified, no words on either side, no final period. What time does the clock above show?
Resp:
**5:13**
